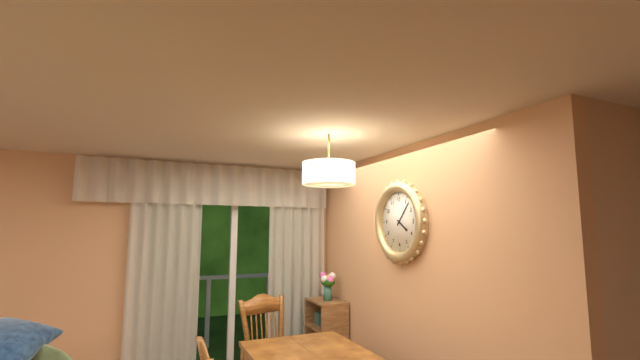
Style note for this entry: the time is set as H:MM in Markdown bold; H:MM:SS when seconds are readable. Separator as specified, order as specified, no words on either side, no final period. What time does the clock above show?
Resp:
**4:07**
